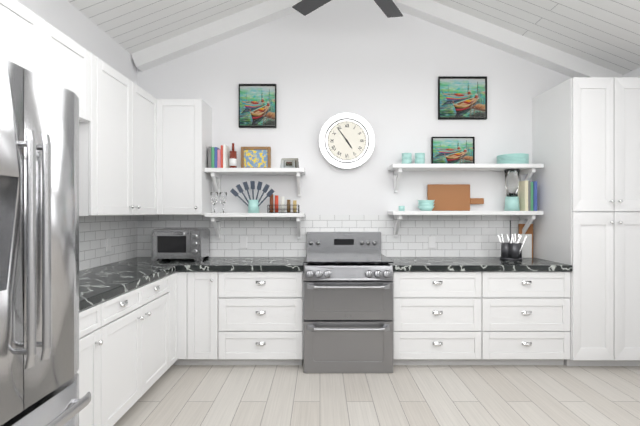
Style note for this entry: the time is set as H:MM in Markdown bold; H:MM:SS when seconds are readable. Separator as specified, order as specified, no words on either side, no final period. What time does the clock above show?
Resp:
**4:54**
